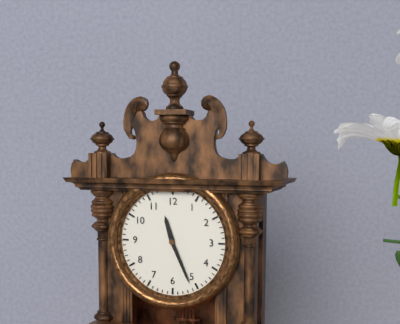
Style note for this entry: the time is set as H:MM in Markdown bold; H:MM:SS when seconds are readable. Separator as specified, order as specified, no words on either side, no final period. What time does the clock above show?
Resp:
**11:26**
